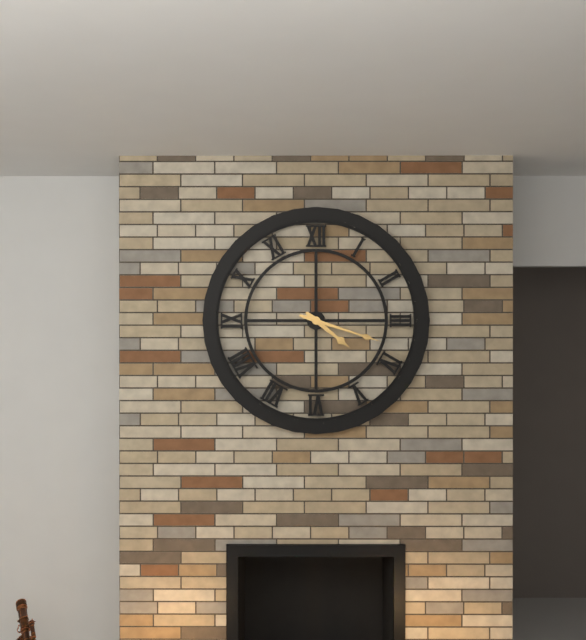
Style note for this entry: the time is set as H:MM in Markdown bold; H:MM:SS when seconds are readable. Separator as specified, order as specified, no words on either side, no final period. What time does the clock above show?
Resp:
**4:18**
